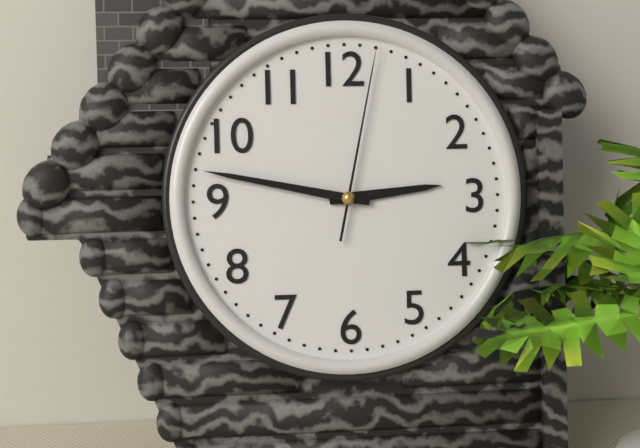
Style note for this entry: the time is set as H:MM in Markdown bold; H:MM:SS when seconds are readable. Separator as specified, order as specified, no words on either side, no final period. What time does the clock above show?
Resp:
**2:47:02**
